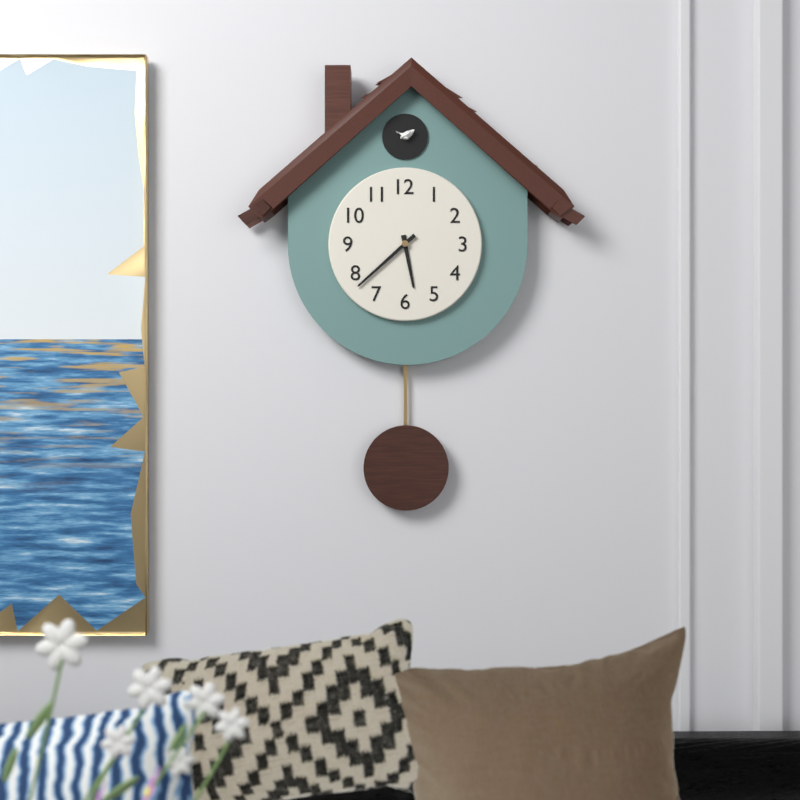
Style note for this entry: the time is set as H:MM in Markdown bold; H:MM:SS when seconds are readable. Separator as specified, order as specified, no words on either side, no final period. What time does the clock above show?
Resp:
**5:38**
